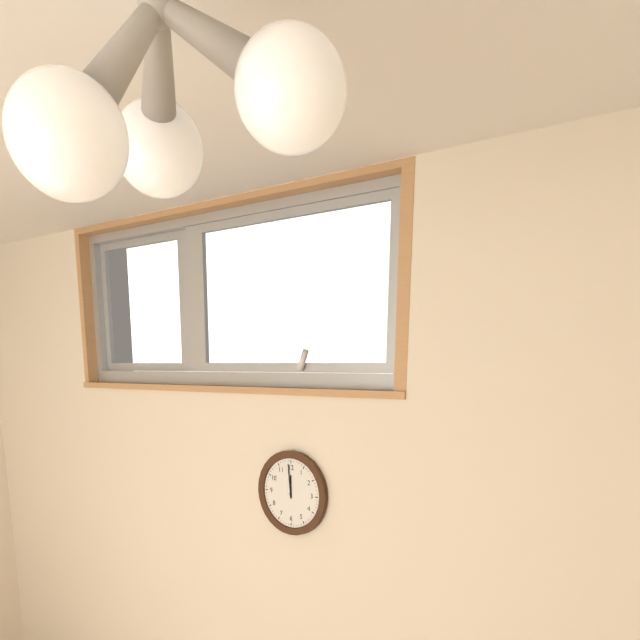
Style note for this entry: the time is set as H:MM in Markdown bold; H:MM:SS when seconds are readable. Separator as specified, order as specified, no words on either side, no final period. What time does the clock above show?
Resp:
**11:59**
